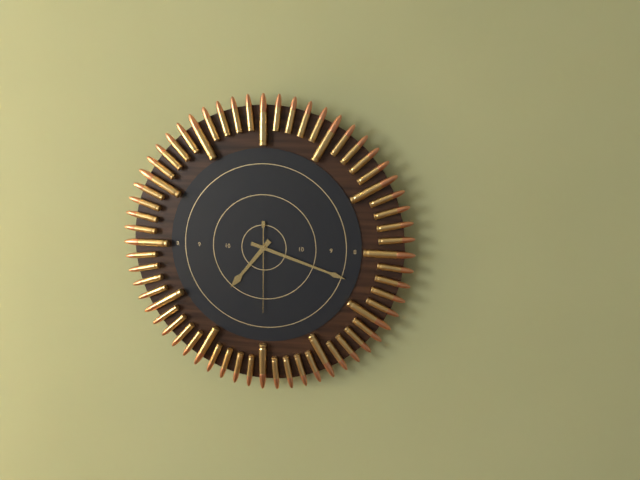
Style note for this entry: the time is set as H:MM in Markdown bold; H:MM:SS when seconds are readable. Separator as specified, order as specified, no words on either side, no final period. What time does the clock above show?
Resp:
**7:18:30**
